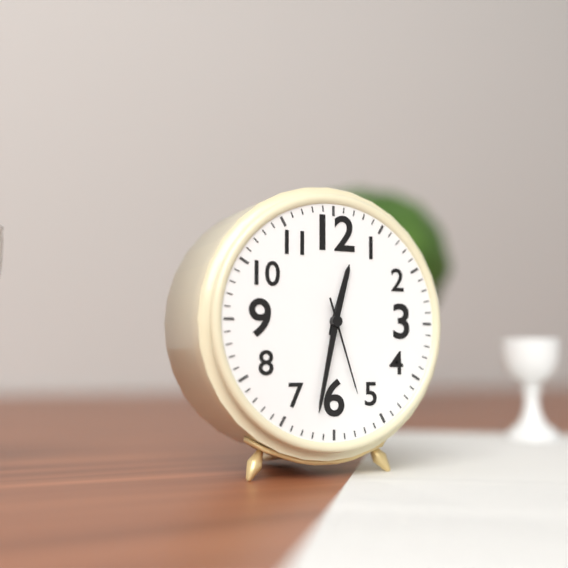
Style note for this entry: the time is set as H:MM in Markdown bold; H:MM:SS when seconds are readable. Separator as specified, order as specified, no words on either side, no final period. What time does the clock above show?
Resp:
**12:32:27**
